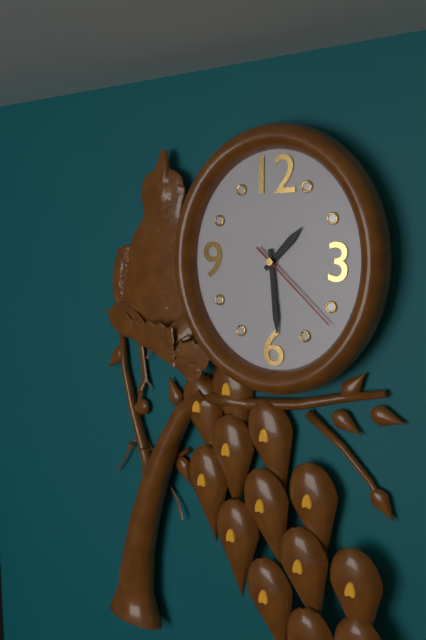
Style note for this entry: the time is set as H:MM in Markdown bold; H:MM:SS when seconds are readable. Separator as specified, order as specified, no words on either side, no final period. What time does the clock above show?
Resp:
**1:29:22**
